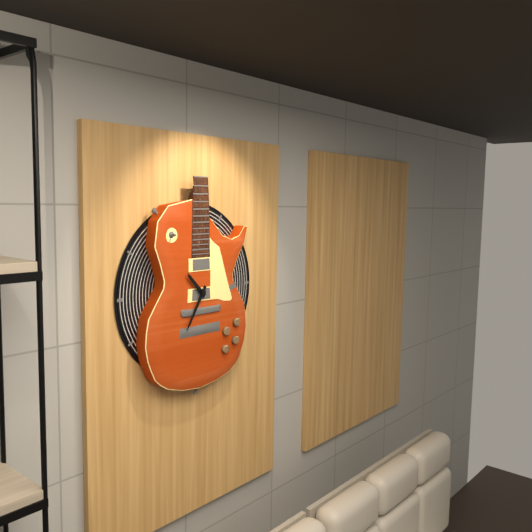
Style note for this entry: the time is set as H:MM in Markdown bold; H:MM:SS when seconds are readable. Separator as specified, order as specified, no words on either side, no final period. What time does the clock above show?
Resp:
**10:35**
